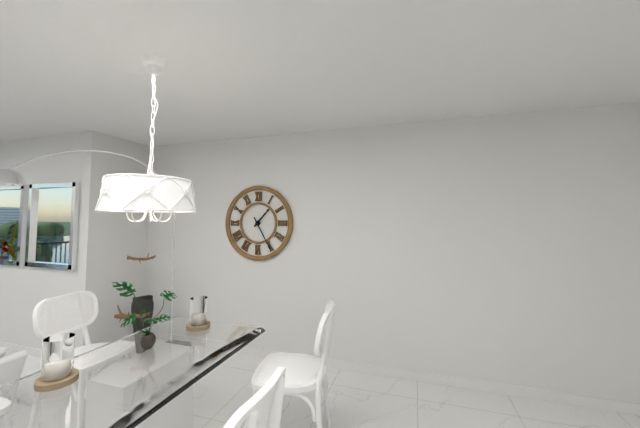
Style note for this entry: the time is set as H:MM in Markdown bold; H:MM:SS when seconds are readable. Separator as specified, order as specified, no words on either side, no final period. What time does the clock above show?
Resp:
**1:25**
